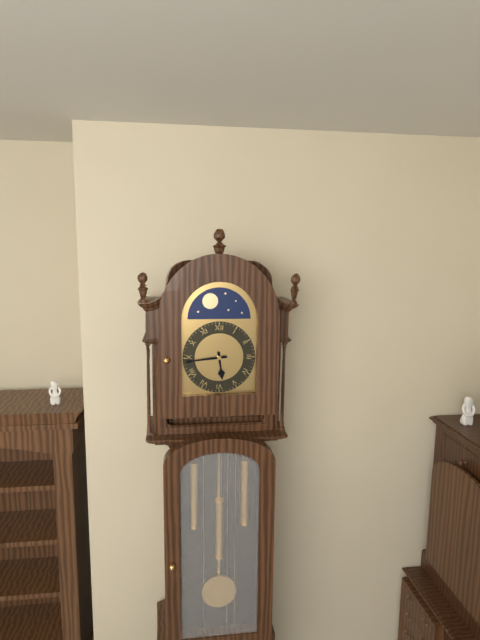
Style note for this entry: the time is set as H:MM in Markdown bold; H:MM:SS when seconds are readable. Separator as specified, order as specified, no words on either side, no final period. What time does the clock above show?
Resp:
**5:44**
